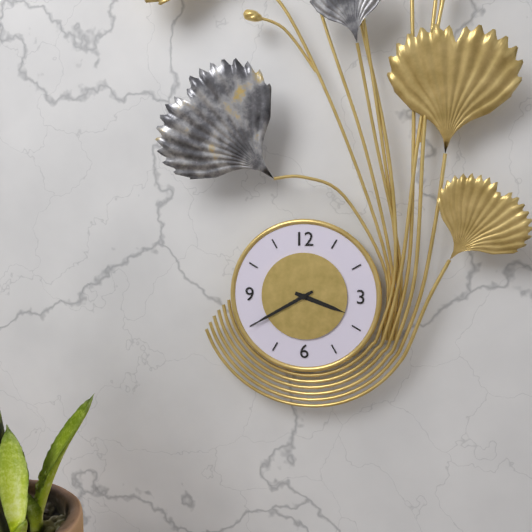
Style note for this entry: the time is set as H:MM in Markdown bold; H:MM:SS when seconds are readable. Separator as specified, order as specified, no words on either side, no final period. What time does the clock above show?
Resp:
**3:40**
